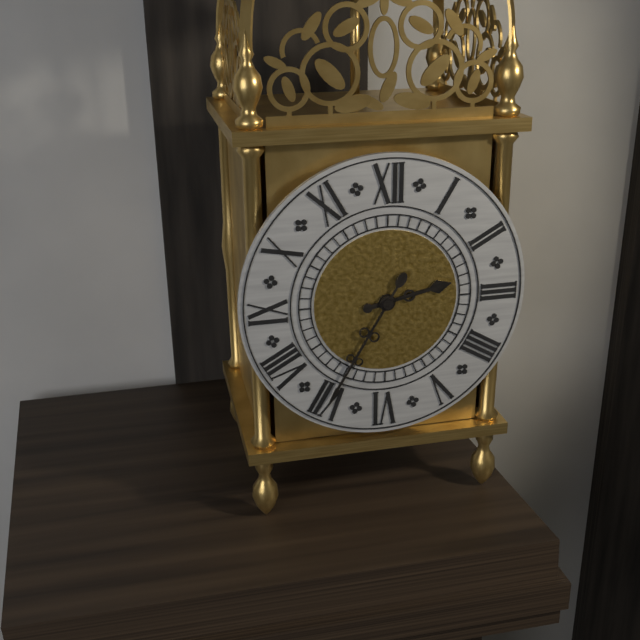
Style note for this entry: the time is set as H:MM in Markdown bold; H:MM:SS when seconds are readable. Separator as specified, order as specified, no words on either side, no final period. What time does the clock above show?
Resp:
**2:35**
